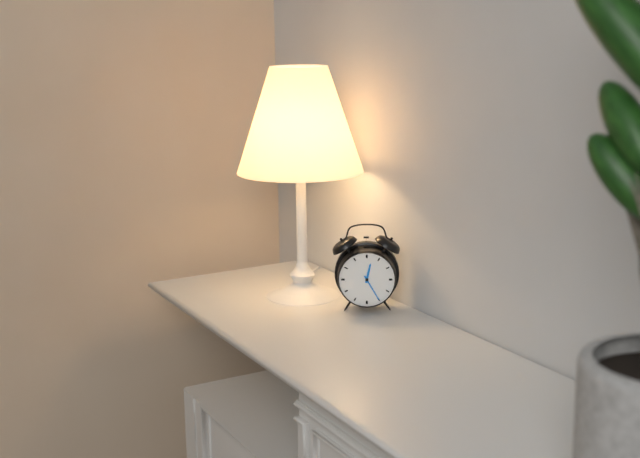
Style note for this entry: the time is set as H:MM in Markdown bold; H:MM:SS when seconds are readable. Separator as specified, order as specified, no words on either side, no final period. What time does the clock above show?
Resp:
**12:25**
